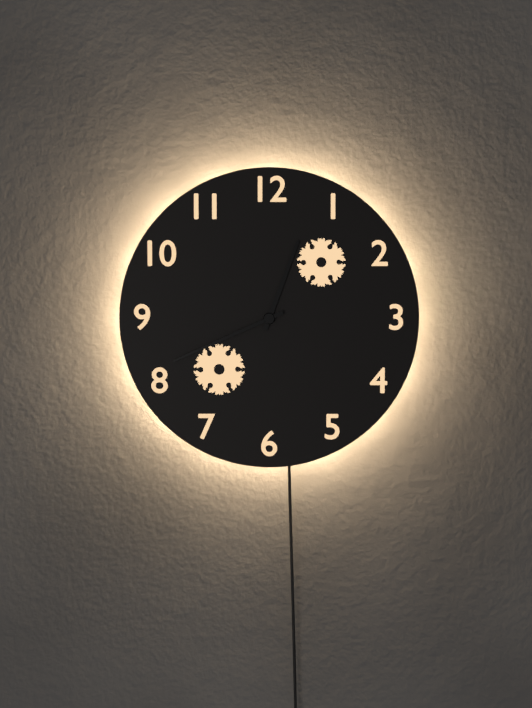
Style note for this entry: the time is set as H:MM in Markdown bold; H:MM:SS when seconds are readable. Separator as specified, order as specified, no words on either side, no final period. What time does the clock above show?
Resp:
**12:41**
